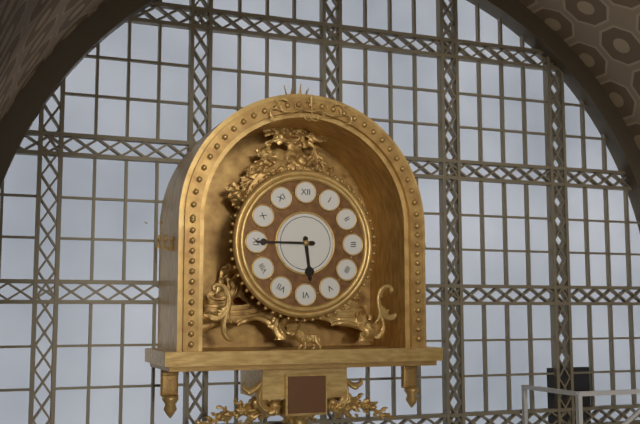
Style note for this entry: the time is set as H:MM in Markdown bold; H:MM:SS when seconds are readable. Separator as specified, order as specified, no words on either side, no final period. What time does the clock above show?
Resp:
**5:45**
